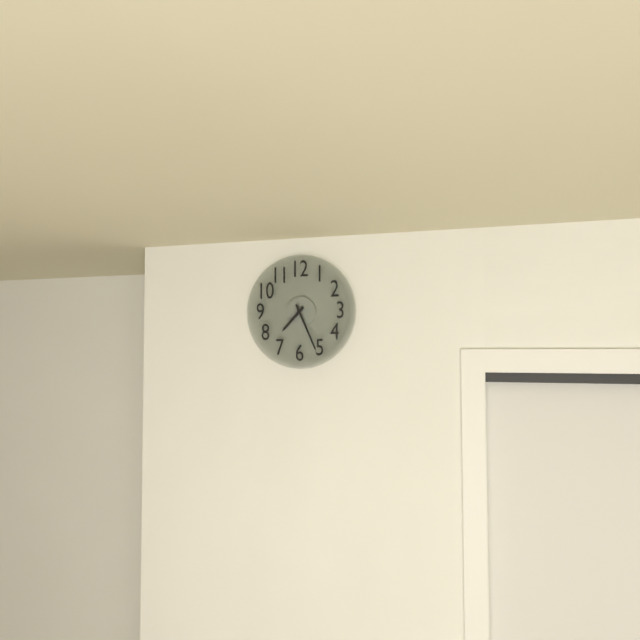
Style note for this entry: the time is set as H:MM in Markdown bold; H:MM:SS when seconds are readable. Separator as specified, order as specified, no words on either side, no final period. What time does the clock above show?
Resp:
**7:26**
